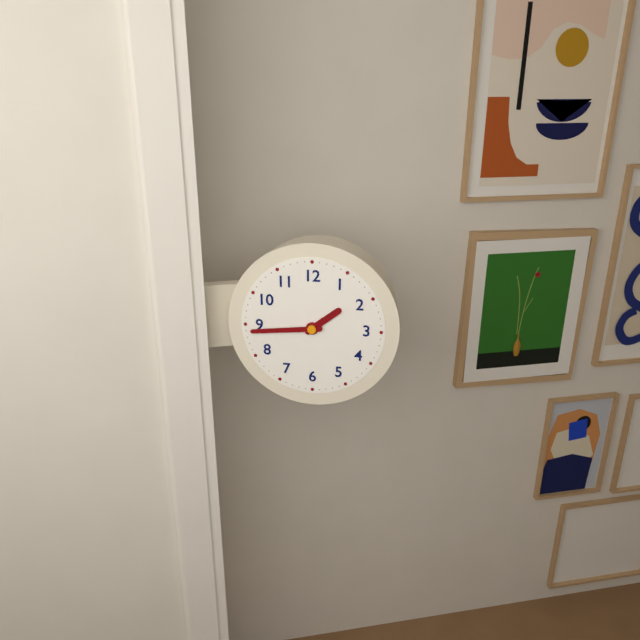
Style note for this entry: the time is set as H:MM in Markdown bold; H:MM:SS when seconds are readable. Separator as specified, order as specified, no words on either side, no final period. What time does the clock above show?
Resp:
**1:44**
